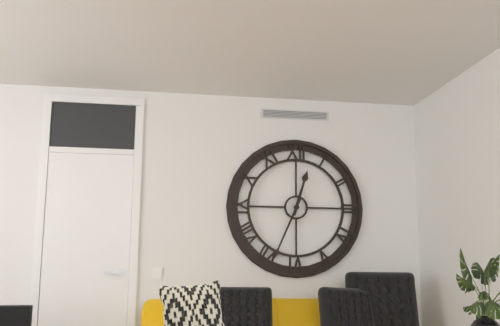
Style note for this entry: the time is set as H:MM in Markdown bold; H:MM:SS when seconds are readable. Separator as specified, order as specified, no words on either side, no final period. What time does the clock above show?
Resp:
**12:34**
